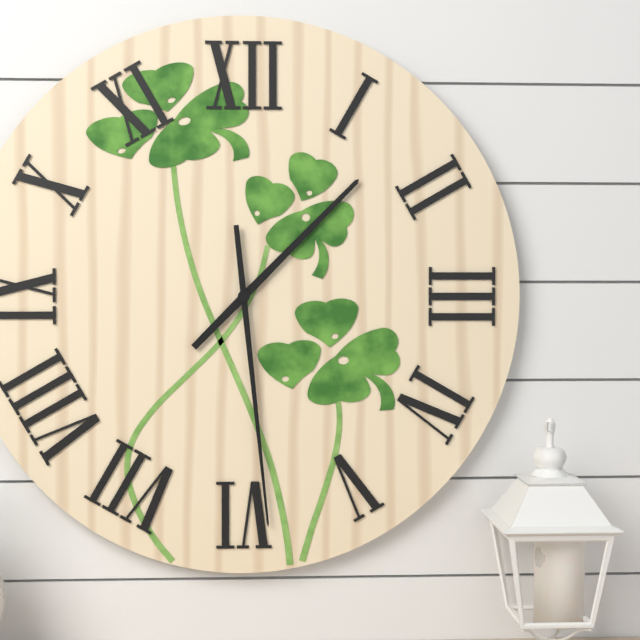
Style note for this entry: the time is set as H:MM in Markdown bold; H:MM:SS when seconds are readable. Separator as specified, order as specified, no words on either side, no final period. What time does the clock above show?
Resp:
**1:29**
